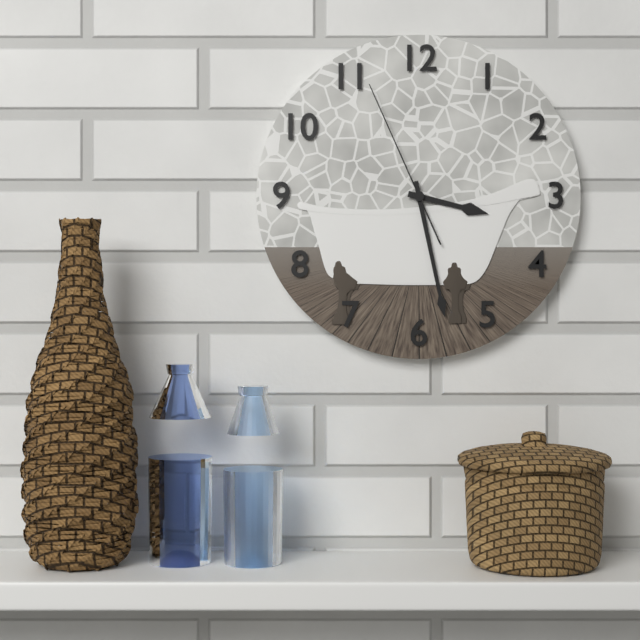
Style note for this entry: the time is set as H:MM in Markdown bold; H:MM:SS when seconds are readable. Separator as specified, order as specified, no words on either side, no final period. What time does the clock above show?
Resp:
**3:28:56**
